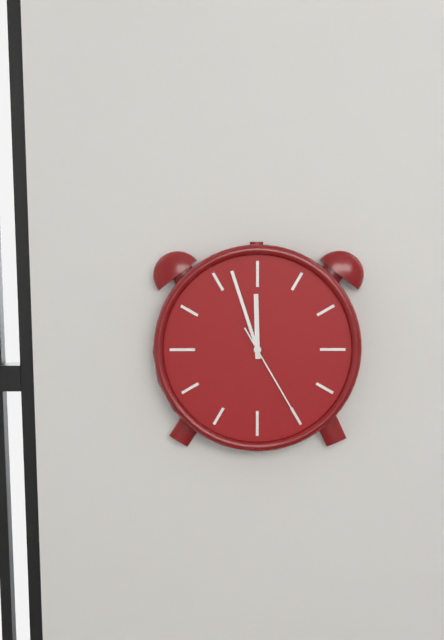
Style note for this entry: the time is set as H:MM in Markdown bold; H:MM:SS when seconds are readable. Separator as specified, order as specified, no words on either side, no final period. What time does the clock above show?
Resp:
**11:57:25**
